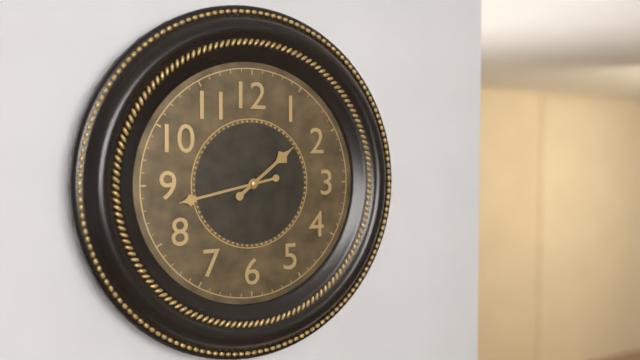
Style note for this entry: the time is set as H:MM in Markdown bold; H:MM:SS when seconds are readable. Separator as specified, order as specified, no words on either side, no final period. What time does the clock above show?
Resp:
**1:43**
